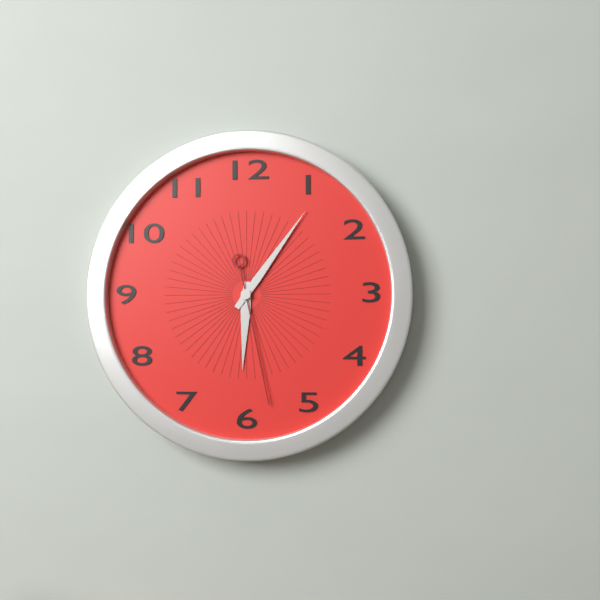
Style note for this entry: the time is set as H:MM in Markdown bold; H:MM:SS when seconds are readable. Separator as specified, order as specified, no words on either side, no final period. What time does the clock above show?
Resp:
**6:06:28**
